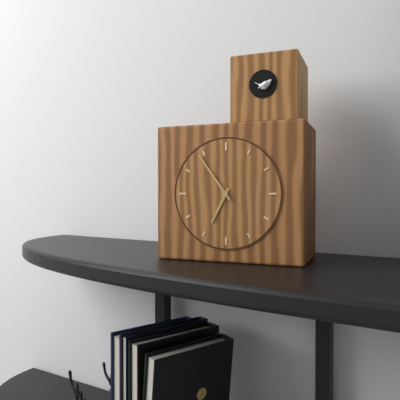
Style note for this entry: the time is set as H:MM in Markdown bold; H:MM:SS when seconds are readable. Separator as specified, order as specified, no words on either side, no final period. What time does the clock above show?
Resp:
**6:54**
